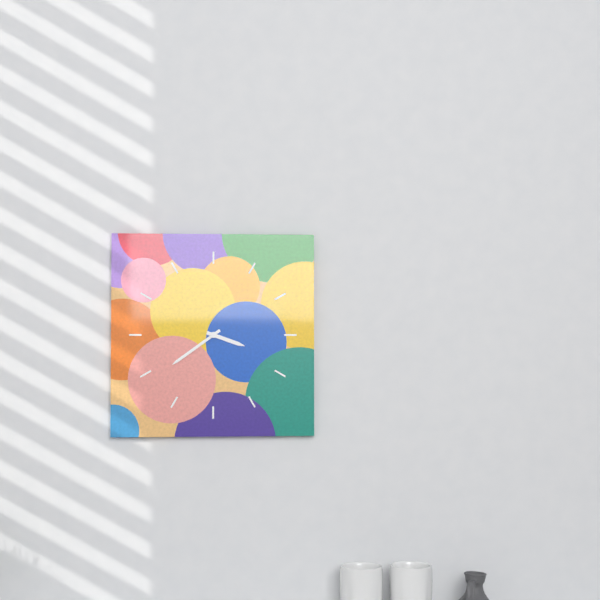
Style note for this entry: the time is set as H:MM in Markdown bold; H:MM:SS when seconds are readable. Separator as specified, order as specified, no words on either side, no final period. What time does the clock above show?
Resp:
**3:39**
